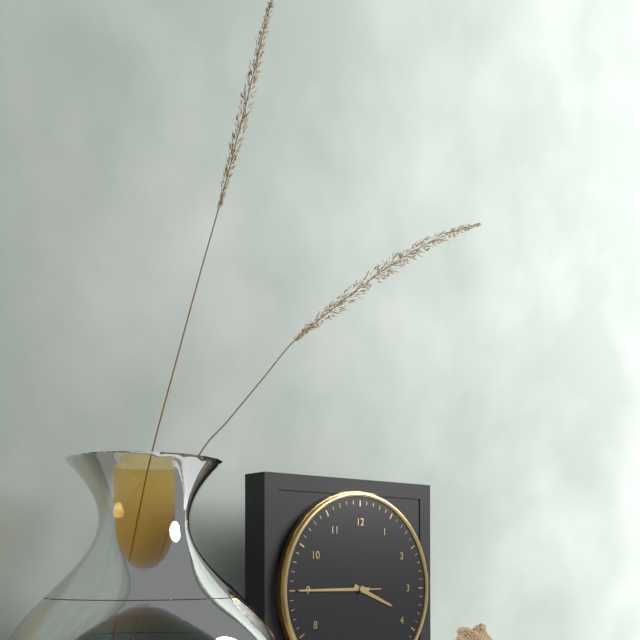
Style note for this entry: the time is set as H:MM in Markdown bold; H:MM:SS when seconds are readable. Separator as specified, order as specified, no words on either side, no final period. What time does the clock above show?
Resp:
**3:45:45**
